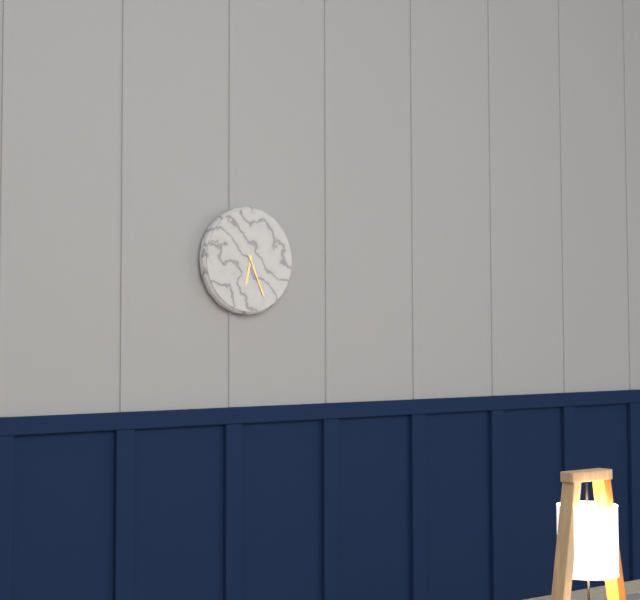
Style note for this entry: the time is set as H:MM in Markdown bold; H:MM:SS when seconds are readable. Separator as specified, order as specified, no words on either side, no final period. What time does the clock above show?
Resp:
**6:26**
